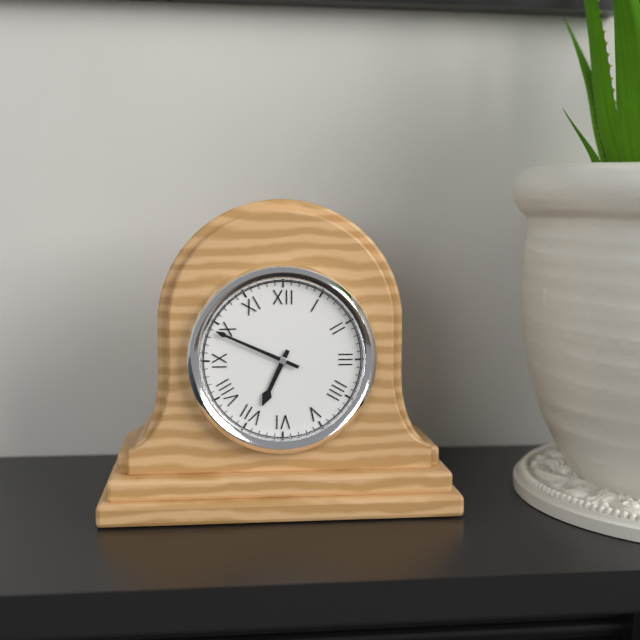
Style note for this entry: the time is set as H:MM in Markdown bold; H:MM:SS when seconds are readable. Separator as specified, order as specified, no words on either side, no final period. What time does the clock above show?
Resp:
**6:49**
